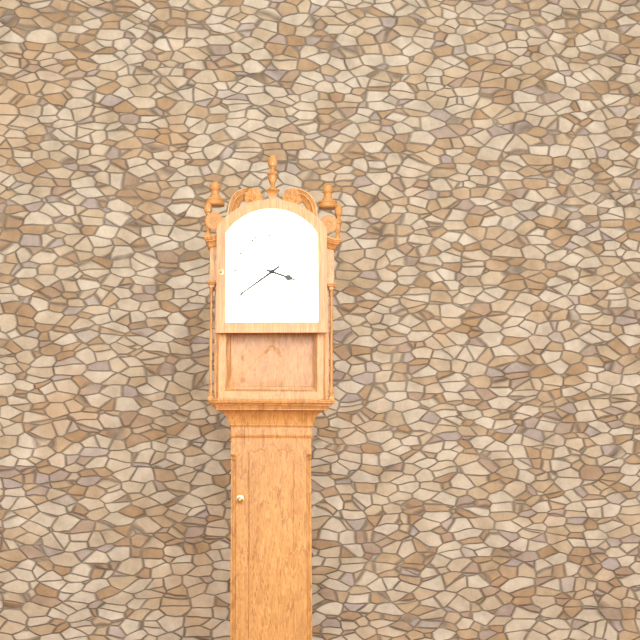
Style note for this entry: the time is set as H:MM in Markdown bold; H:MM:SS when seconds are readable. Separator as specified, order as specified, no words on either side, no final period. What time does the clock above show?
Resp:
**3:39**
